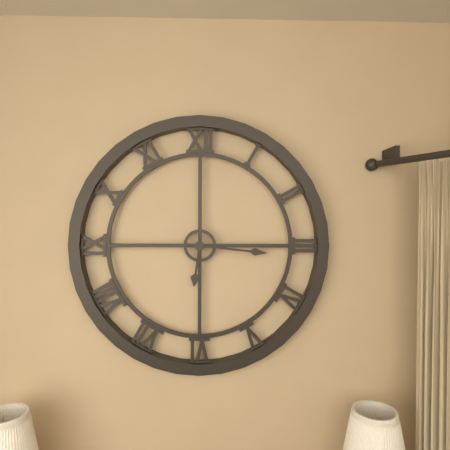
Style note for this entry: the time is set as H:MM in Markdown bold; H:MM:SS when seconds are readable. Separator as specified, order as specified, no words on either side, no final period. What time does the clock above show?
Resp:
**6:16**
